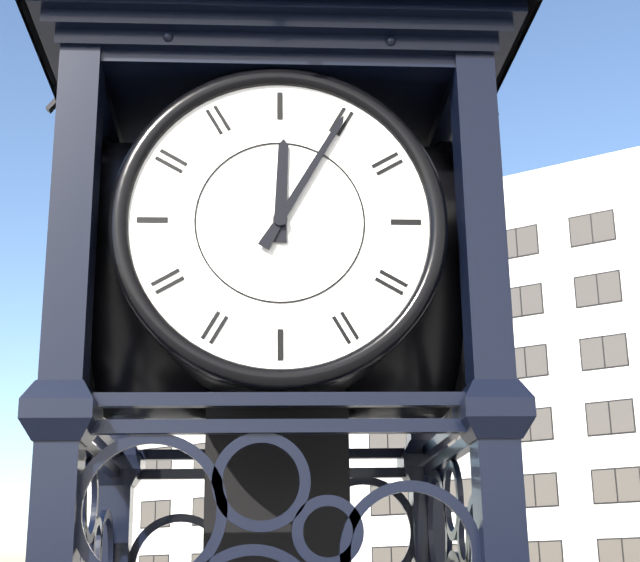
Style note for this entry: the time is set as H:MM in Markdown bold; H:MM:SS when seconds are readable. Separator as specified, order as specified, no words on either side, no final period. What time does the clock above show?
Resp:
**12:05**
